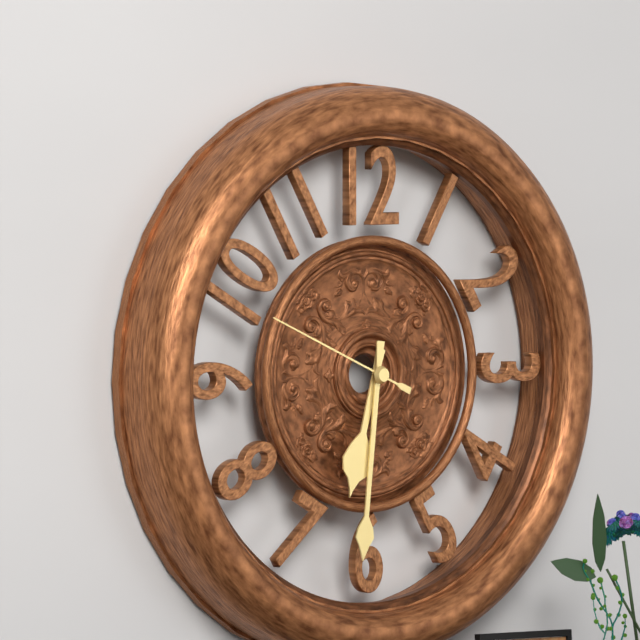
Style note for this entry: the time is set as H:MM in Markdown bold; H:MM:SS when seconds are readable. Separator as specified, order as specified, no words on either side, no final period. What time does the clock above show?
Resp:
**6:31:49**
